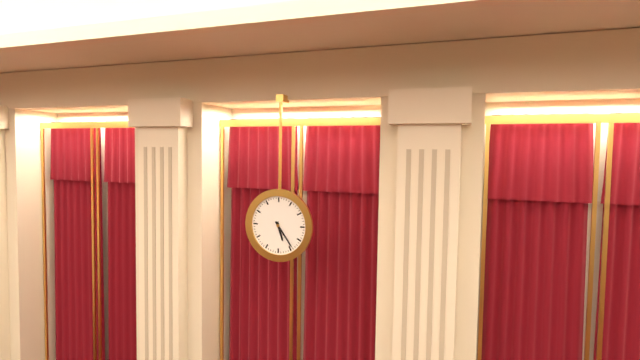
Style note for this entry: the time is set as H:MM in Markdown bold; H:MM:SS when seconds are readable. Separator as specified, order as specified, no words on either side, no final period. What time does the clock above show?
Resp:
**5:24**
